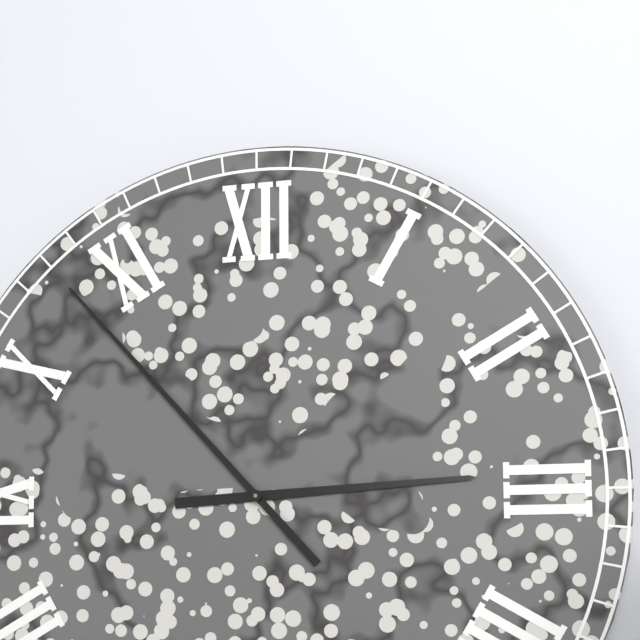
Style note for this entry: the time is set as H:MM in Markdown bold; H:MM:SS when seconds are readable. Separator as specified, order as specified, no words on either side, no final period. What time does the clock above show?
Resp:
**2:53**
